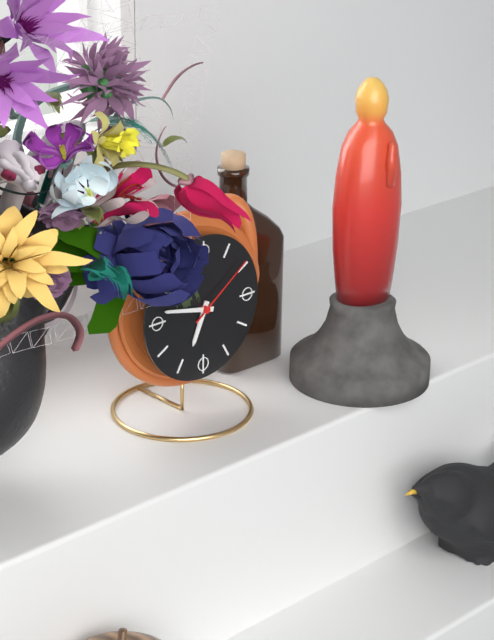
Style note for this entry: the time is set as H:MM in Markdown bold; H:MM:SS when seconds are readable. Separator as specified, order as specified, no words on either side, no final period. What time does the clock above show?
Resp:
**6:47:09**
